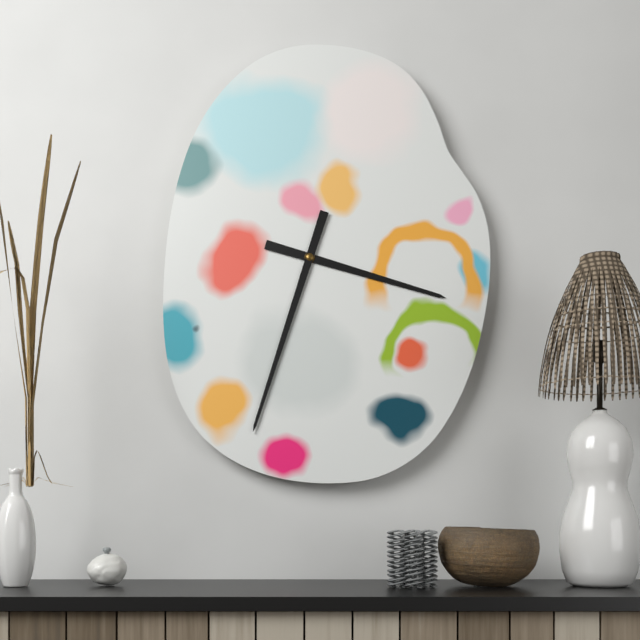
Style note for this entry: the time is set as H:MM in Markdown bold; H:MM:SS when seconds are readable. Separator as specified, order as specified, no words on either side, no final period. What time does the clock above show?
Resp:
**3:33**
